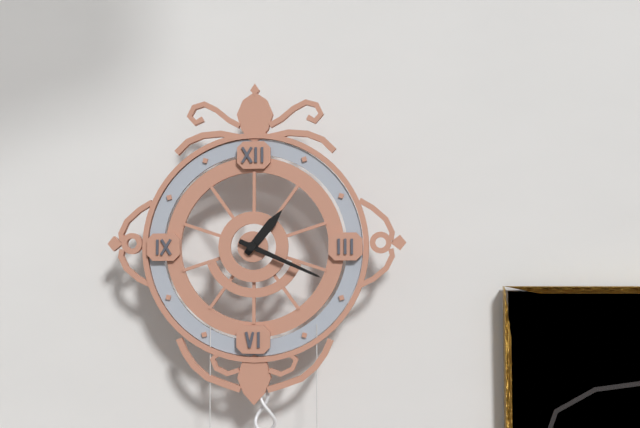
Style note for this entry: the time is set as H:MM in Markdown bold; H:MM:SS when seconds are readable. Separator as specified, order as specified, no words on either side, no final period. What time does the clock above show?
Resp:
**1:19**
